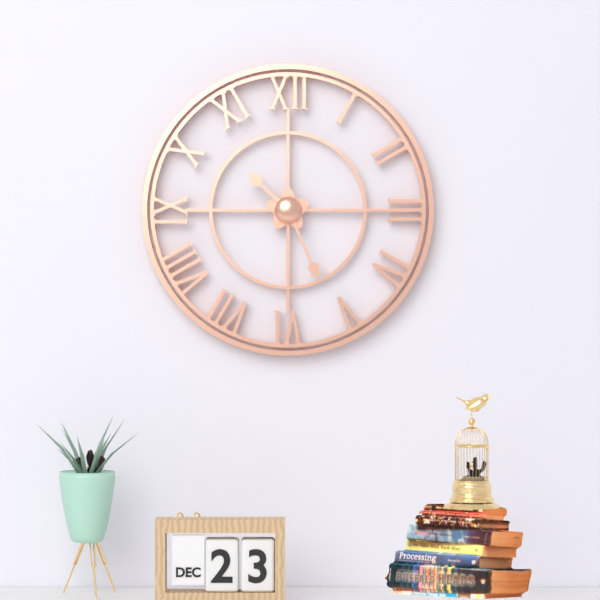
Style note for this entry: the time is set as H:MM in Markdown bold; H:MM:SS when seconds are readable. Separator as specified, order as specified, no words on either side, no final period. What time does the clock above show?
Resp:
**10:26**
